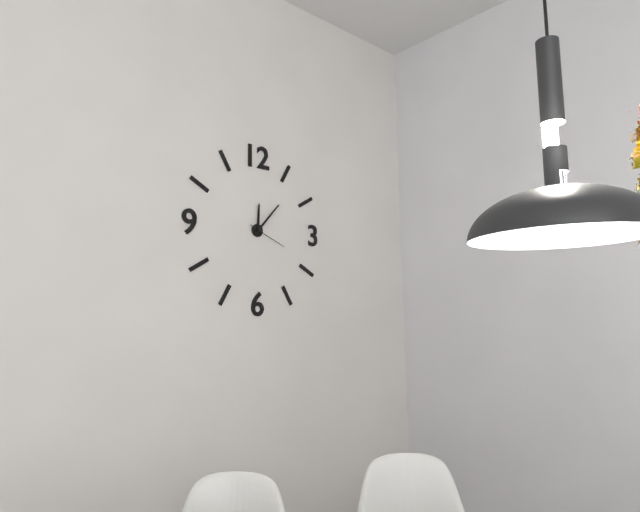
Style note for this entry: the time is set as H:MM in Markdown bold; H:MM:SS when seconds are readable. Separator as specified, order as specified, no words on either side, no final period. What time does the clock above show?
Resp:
**12:07**
